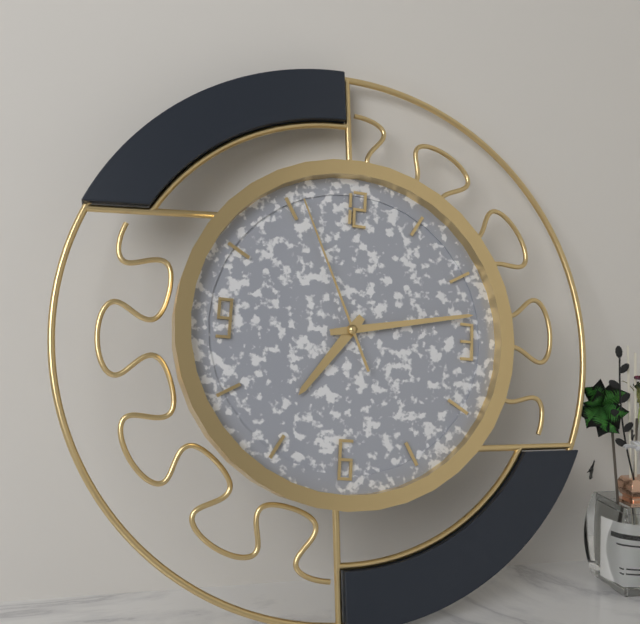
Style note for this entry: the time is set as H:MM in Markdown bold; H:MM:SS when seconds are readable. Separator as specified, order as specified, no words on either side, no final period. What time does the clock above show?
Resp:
**7:13:56**
